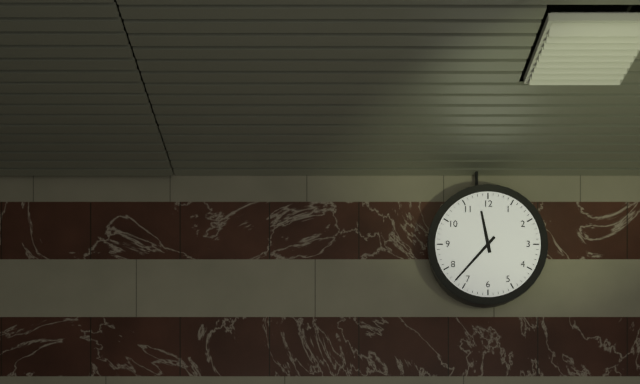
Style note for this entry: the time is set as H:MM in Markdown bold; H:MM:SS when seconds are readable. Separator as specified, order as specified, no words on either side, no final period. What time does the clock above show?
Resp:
**11:37**
